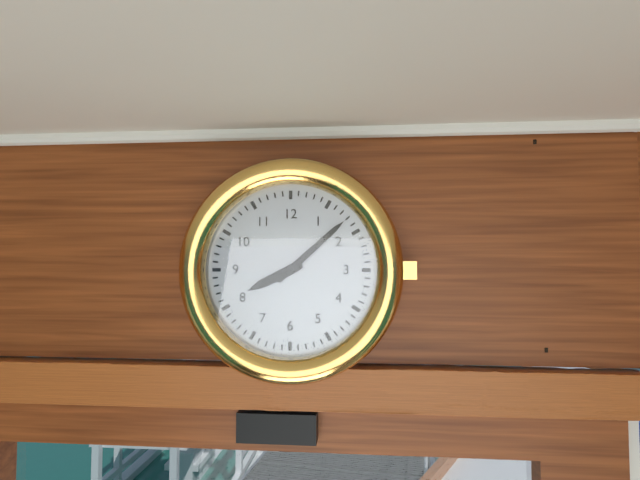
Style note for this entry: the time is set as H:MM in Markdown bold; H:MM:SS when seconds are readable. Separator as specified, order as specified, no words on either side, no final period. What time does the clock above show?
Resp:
**8:08**
